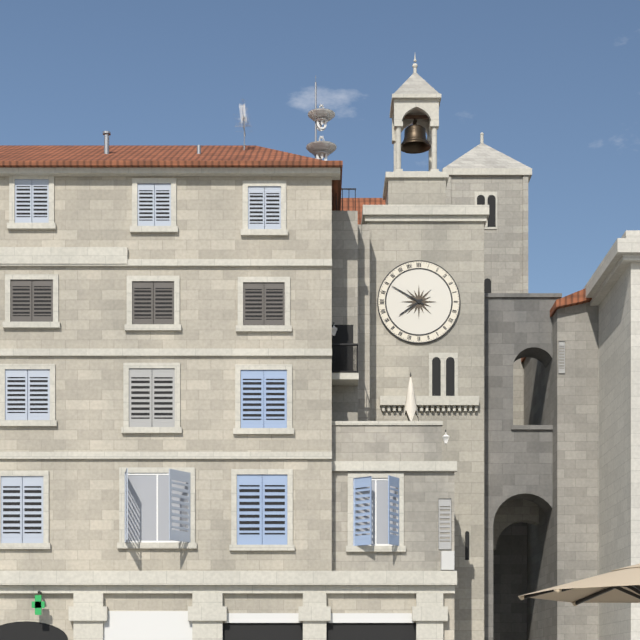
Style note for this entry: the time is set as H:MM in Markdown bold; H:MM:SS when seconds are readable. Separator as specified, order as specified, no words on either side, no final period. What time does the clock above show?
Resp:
**7:50**
